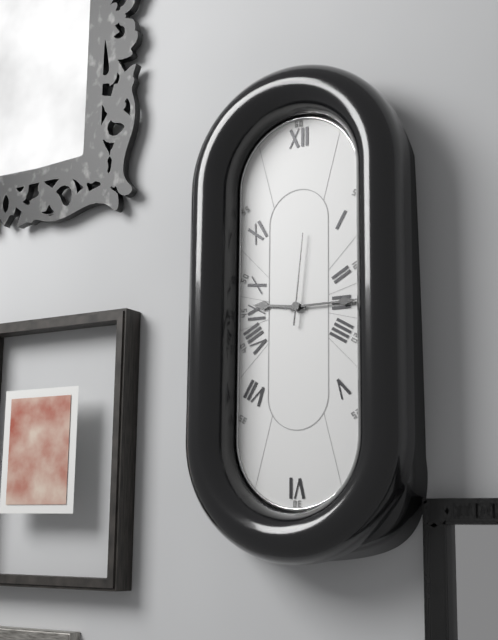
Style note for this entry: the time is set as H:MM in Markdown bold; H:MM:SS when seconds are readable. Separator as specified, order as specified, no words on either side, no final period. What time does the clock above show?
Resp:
**9:15:01**
